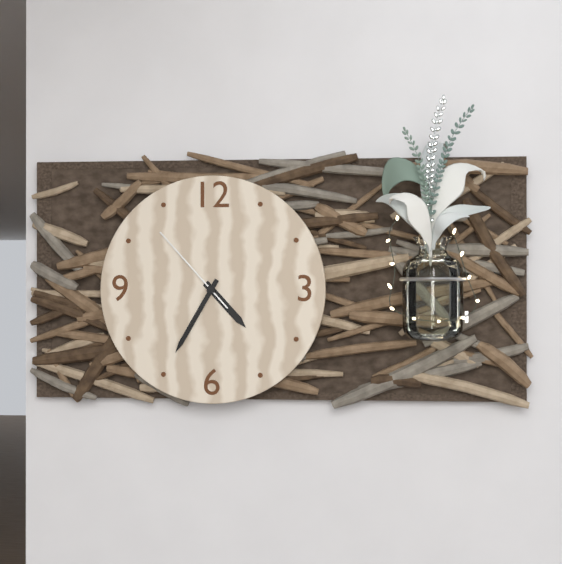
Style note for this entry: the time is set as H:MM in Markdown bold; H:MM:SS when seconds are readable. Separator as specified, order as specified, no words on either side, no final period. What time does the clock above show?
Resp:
**4:35:53**
